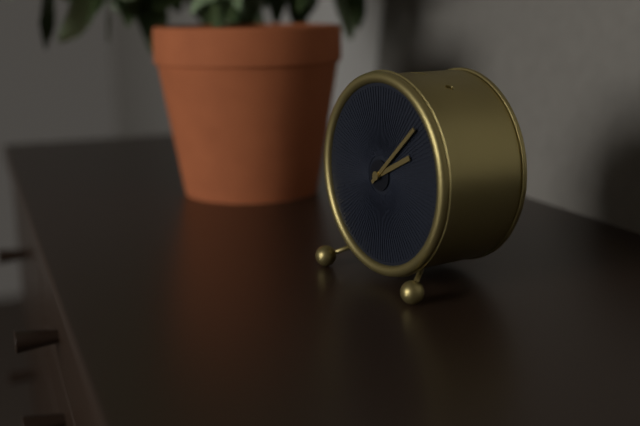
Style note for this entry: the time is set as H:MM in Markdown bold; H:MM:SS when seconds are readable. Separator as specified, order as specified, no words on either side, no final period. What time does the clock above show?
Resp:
**2:08**
